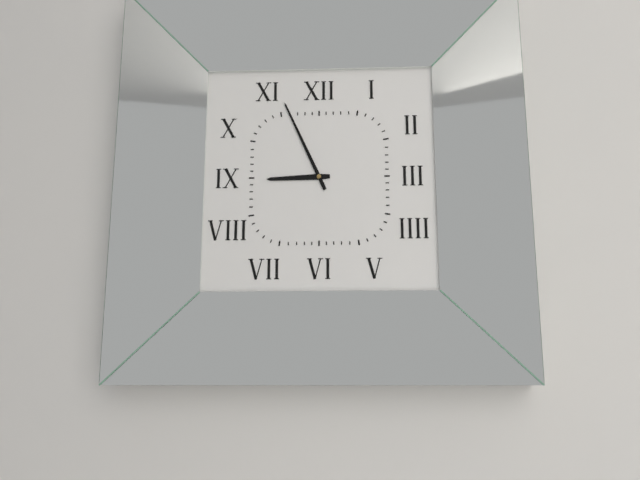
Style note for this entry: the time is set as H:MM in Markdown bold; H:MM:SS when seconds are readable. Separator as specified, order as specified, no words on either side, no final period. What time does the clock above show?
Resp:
**8:56**
